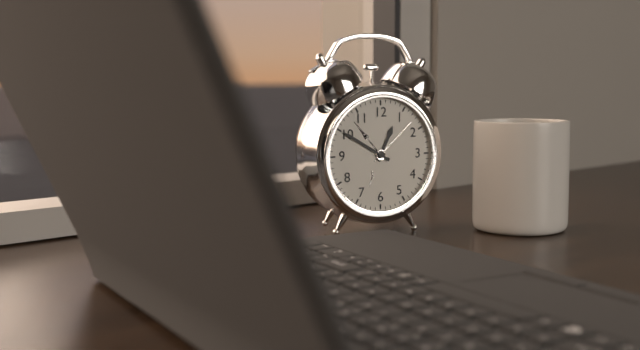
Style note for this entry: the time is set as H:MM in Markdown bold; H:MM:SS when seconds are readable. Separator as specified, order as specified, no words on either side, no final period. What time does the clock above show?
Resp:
**12:50**
